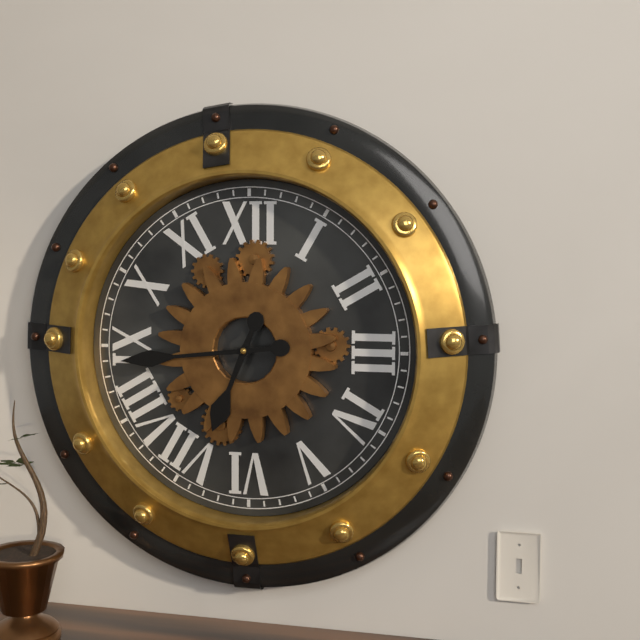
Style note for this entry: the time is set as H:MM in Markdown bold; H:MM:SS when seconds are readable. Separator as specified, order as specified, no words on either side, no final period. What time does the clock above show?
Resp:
**6:44**
